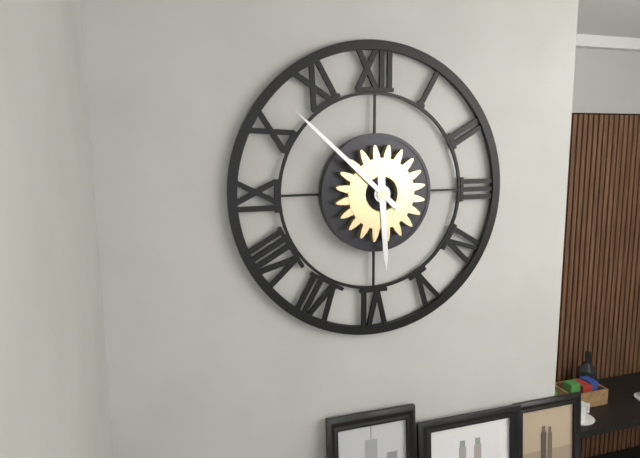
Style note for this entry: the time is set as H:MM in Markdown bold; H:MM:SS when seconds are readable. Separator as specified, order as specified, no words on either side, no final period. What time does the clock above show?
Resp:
**5:52**
